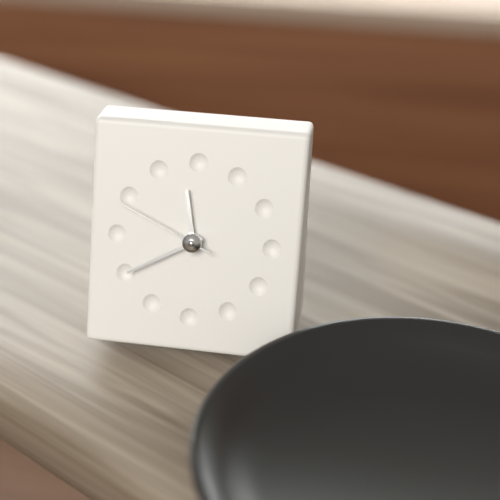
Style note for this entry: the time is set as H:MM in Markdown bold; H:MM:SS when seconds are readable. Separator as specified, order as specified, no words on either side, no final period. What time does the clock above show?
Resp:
**11:40:49**
